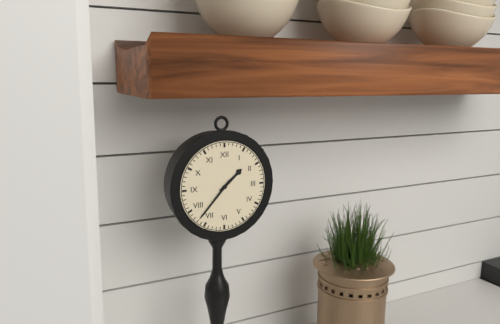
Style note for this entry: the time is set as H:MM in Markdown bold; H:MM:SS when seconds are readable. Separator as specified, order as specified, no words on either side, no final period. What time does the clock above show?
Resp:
**1:37**
